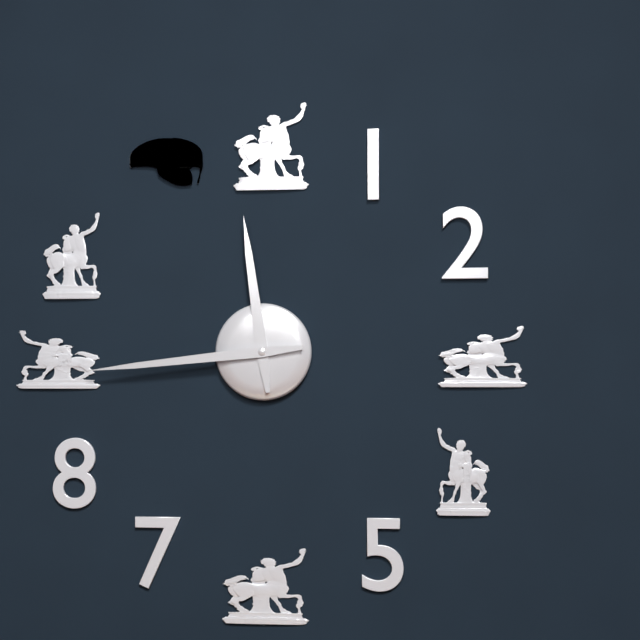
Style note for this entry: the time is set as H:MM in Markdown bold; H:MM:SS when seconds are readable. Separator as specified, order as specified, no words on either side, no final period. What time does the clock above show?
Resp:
**11:44**
